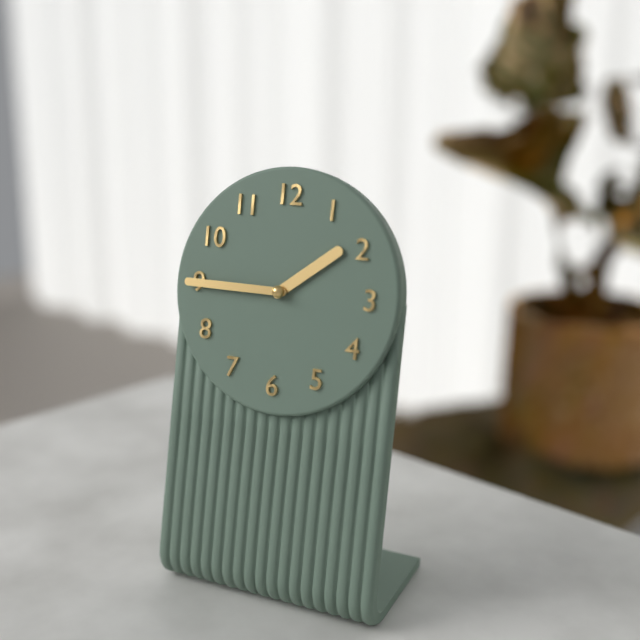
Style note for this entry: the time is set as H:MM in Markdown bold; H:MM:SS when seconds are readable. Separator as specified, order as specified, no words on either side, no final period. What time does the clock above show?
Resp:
**1:45**
